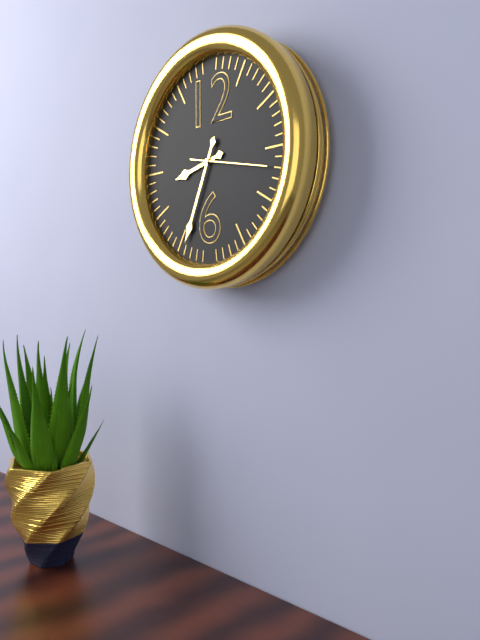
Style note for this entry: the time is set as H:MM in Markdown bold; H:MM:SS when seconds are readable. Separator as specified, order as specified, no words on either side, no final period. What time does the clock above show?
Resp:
**8:34:17**
